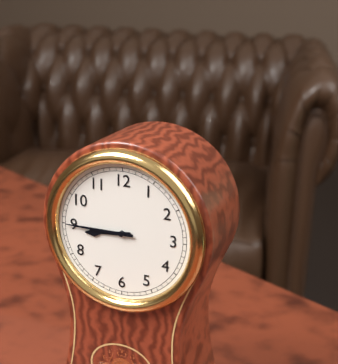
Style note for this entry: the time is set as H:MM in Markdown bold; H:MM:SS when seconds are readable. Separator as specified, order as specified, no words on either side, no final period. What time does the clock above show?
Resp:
**8:45**
